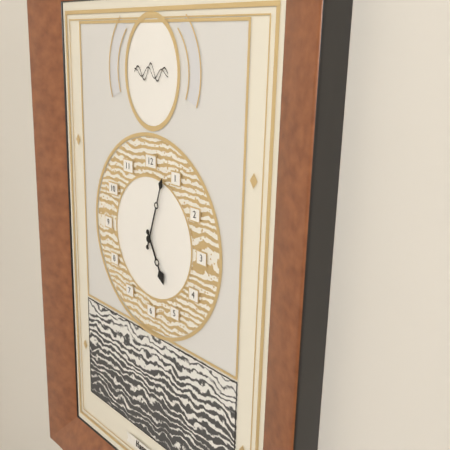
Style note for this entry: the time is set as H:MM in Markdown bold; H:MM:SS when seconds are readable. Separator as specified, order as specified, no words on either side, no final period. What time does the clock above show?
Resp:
**5:03**
